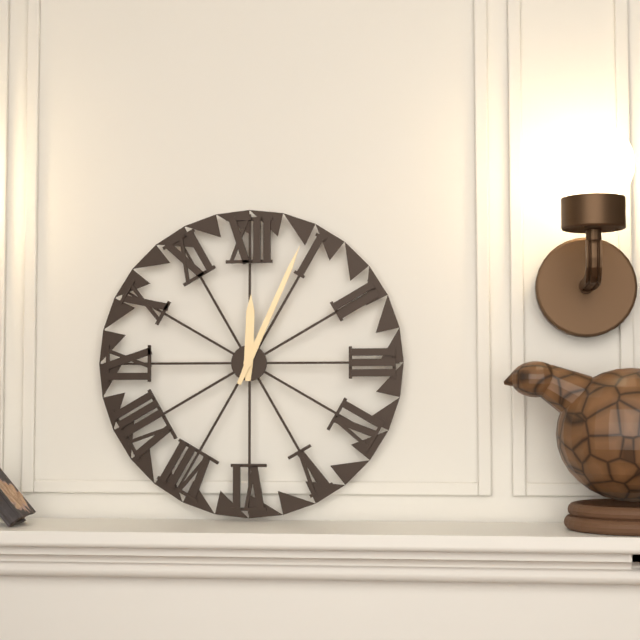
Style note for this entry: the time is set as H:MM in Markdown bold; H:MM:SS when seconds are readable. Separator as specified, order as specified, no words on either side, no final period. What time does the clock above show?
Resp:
**12:04**
